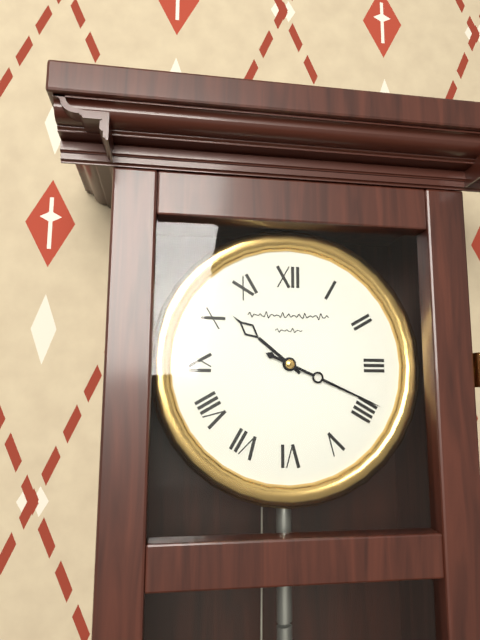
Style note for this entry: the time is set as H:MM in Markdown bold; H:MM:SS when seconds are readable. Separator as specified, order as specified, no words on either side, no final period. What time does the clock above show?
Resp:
**10:19**
